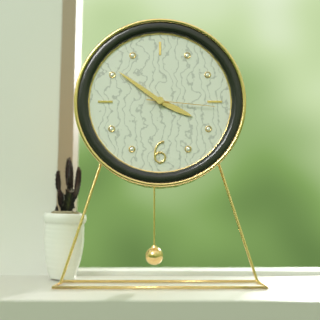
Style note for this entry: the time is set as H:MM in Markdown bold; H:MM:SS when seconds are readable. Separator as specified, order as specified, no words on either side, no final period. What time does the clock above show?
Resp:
**3:51:16**
